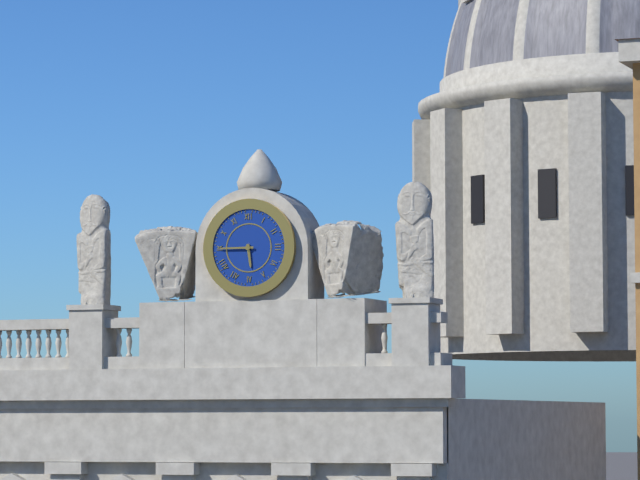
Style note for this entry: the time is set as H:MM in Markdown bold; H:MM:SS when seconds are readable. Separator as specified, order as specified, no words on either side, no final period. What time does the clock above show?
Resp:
**5:45**
